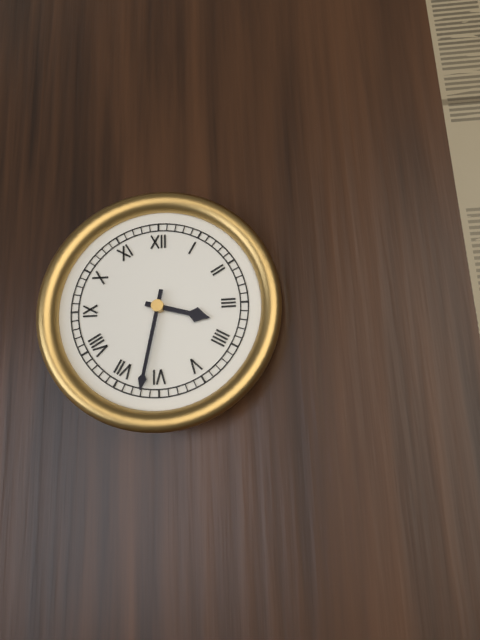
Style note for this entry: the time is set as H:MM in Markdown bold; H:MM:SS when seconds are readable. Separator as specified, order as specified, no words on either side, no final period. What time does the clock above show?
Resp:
**3:32**
